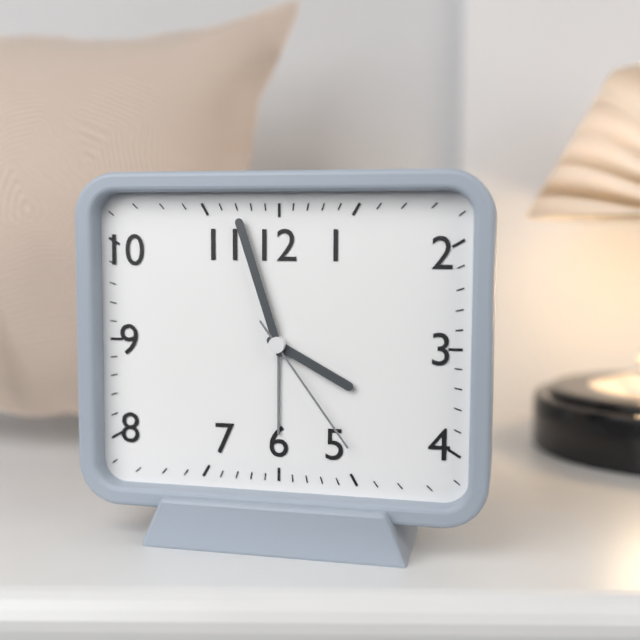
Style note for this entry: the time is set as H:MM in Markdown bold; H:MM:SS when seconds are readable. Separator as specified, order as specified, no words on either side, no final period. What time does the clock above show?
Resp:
**3:57:24**
